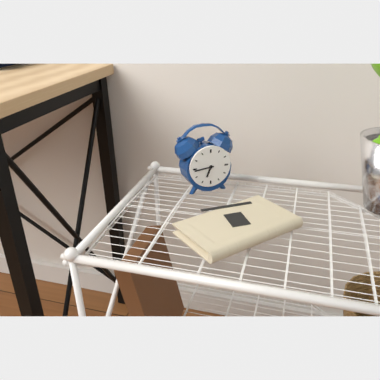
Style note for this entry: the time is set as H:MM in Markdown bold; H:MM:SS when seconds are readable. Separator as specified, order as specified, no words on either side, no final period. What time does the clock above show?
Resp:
**6:44**
